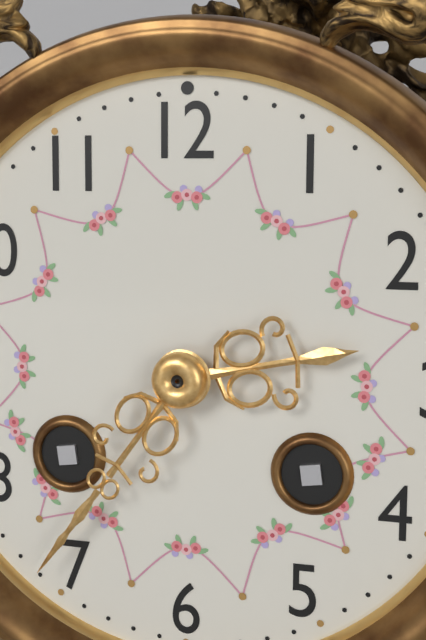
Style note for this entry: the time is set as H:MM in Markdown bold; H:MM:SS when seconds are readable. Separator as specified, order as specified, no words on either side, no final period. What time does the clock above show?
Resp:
**2:36**
